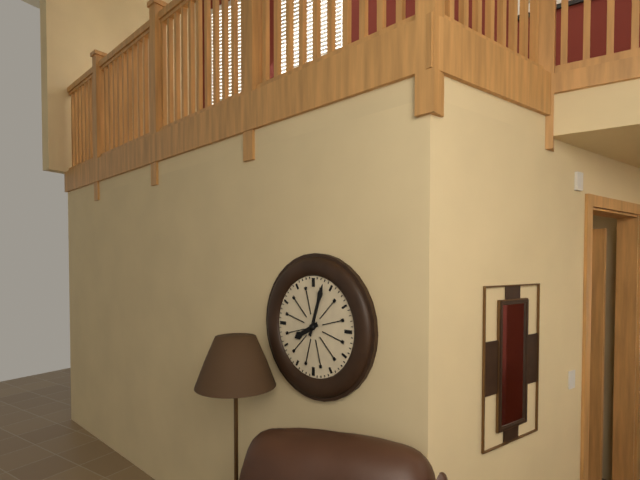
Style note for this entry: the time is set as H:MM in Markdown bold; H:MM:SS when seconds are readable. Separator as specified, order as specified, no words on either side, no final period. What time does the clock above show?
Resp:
**8:03**
